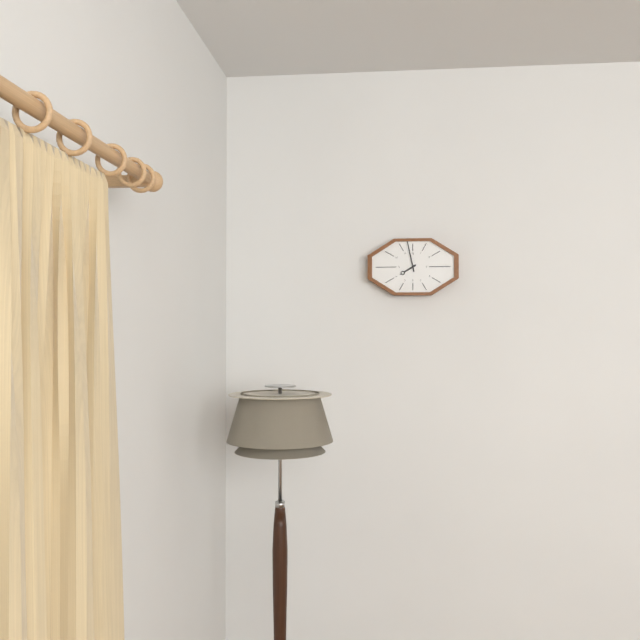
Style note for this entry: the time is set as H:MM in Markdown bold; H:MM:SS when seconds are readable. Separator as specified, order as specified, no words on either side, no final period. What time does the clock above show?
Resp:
**7:58**
